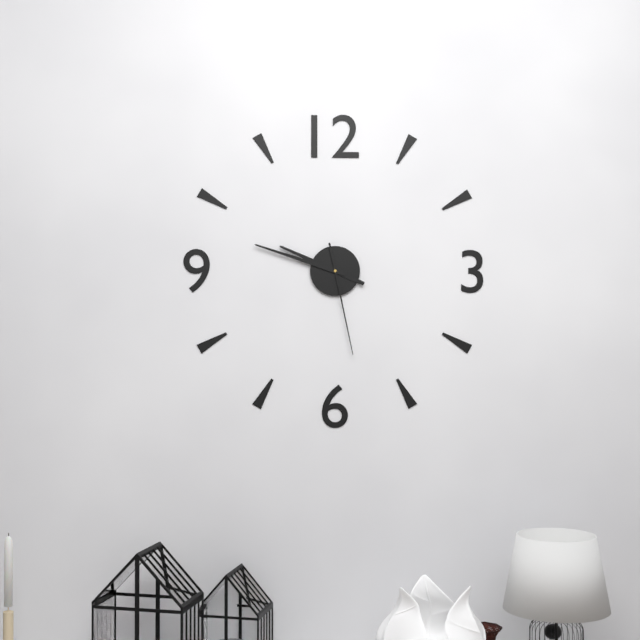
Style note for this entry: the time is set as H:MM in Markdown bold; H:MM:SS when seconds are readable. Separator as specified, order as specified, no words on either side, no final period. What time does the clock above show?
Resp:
**9:48:28**
